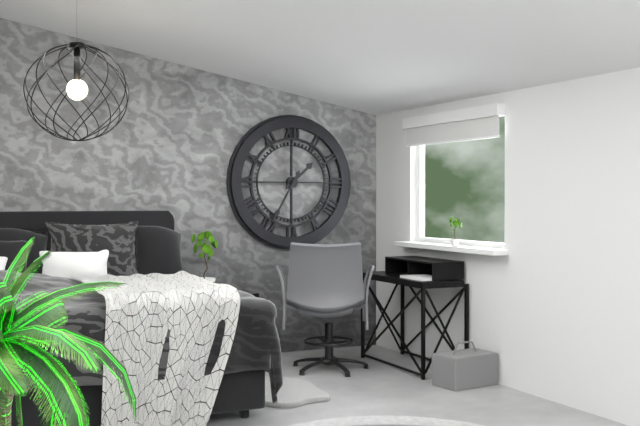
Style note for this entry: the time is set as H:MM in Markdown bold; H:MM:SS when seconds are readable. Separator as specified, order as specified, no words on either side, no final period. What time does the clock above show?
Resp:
**1:35**
